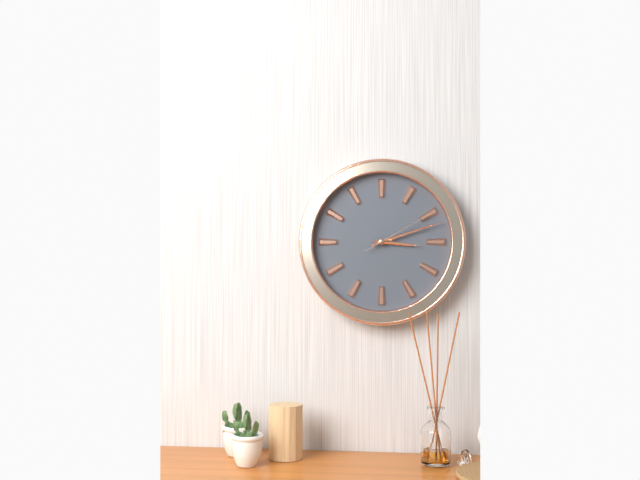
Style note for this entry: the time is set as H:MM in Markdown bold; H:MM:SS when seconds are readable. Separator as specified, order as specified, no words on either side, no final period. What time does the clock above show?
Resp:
**3:12:10**
